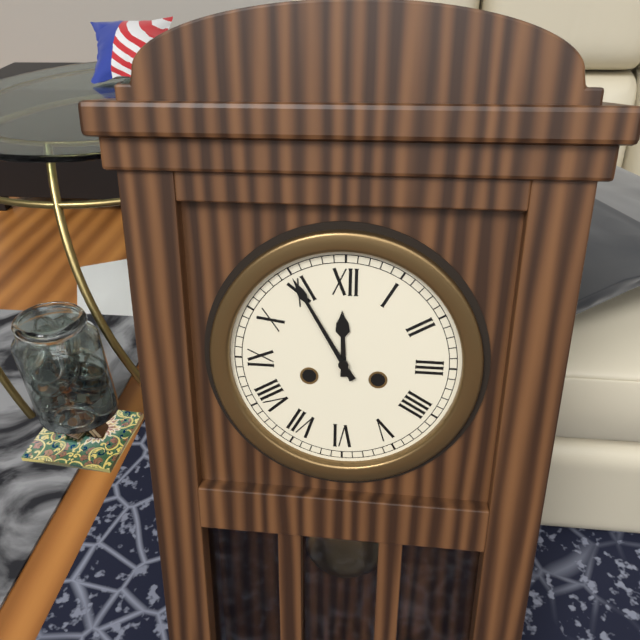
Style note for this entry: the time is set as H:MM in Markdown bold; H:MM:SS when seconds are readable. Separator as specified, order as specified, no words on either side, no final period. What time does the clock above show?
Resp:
**11:55**
